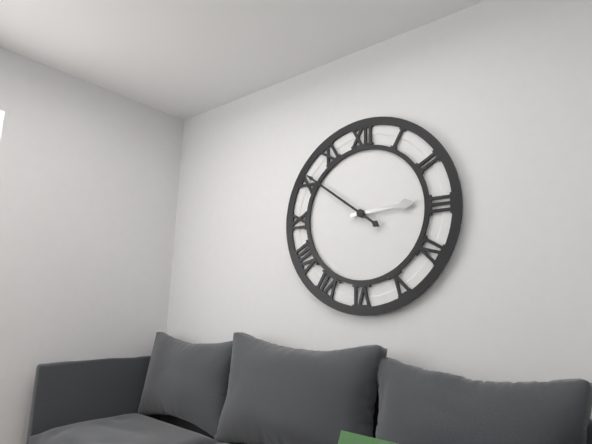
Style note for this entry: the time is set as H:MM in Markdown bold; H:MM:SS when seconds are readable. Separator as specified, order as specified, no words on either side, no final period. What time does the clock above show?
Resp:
**2:51**
